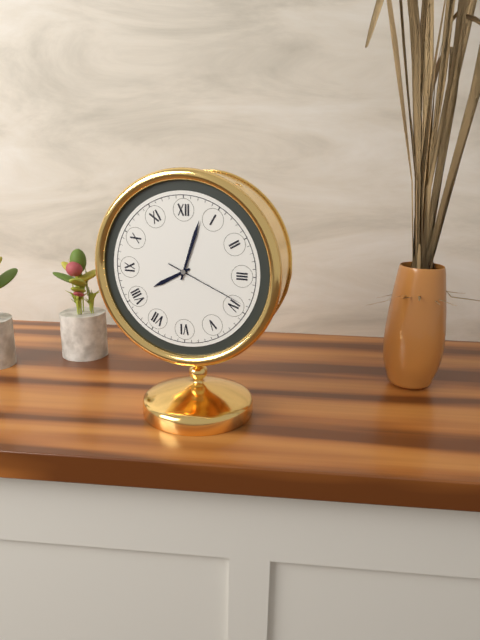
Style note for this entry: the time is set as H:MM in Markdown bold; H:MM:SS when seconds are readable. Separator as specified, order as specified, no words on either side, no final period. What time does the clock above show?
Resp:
**8:03:19**
